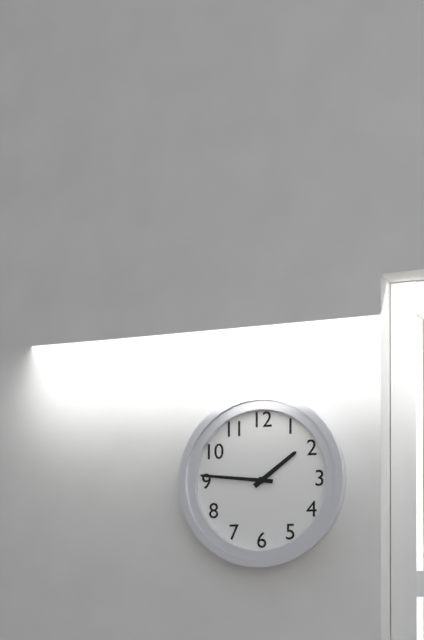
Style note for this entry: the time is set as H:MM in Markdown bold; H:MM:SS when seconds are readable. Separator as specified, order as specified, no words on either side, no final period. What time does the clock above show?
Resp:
**1:46**
